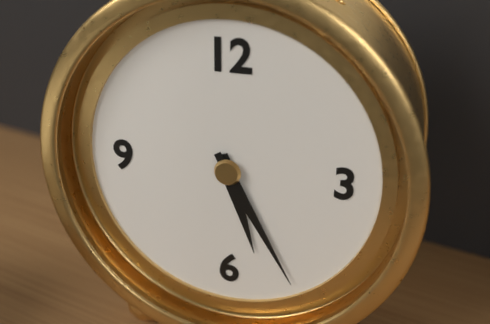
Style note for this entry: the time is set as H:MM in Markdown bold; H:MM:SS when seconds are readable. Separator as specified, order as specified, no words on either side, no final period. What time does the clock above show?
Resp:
**5:25**
